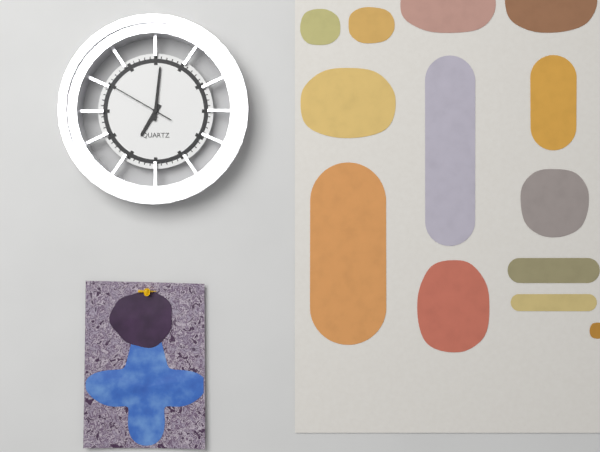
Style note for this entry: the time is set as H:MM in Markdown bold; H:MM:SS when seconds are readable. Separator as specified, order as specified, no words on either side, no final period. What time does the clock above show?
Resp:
**7:01:50**
